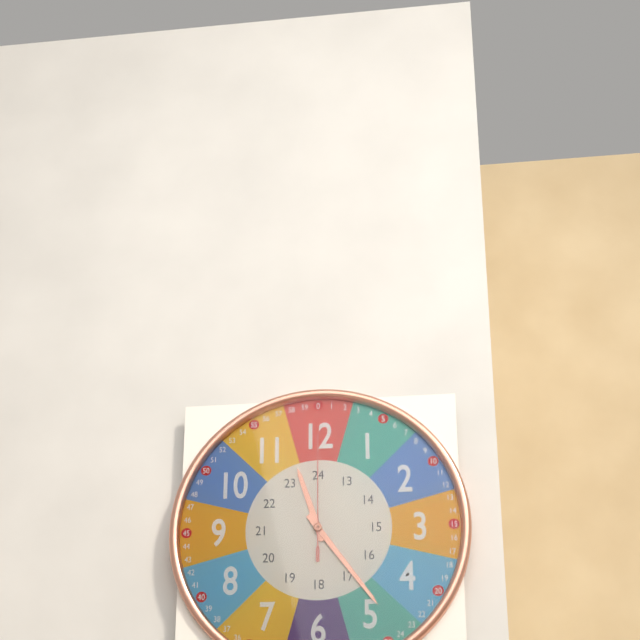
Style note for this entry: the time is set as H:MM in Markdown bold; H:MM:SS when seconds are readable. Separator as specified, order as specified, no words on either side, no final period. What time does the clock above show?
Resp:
**11:24:00**
